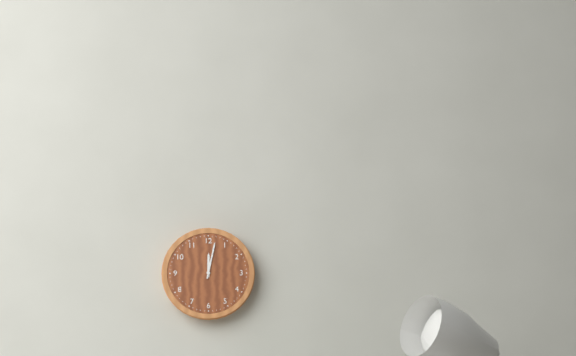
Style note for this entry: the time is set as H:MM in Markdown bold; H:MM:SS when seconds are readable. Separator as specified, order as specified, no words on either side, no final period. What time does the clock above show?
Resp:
**12:02**
